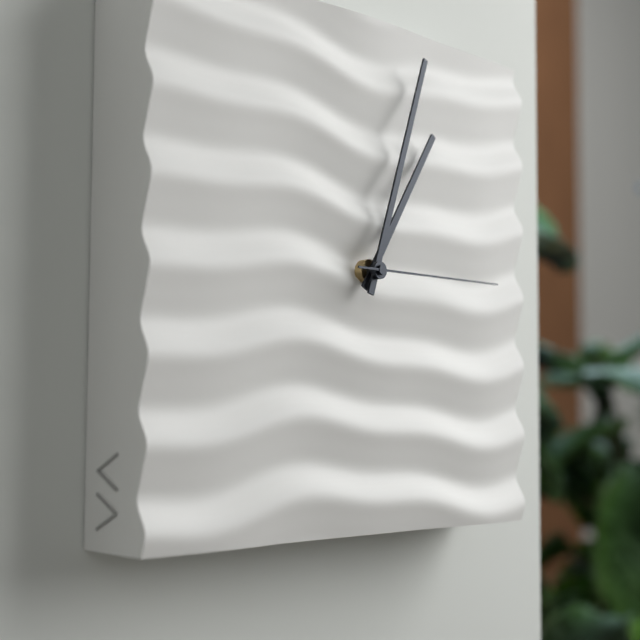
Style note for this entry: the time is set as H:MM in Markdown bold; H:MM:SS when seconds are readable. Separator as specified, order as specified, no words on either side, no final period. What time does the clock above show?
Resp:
**1:03:15**
